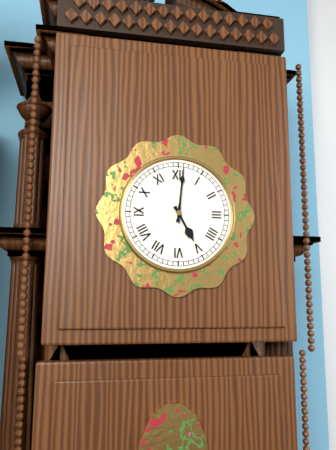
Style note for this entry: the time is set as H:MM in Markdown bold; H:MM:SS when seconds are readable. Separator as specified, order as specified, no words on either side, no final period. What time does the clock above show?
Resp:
**5:01**
